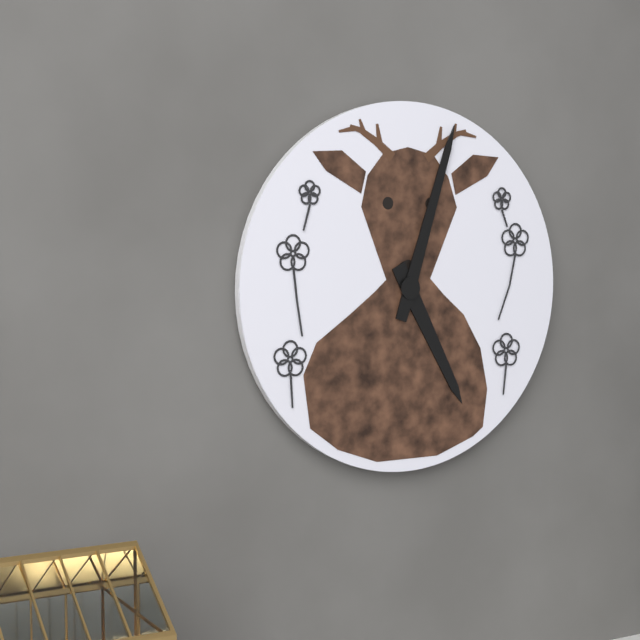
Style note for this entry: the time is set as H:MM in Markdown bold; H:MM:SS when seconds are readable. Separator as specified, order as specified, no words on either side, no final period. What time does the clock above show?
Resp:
**5:03**
